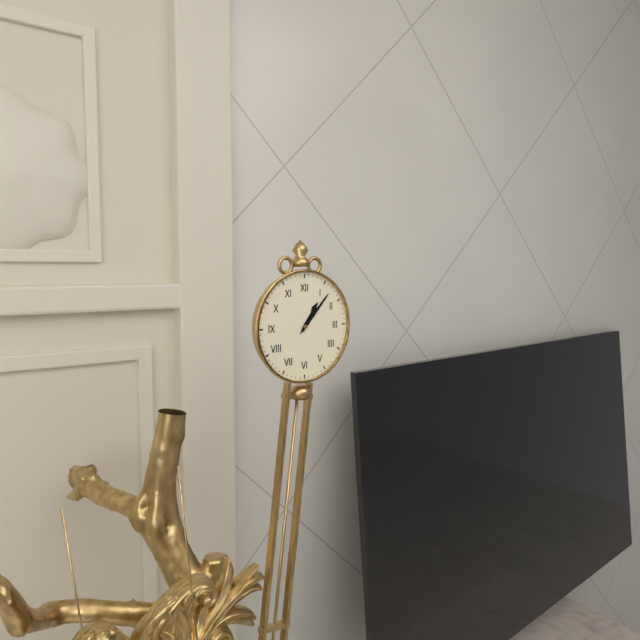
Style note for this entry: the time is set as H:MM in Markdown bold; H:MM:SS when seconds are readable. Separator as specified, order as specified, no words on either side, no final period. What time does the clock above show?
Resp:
**1:07**
